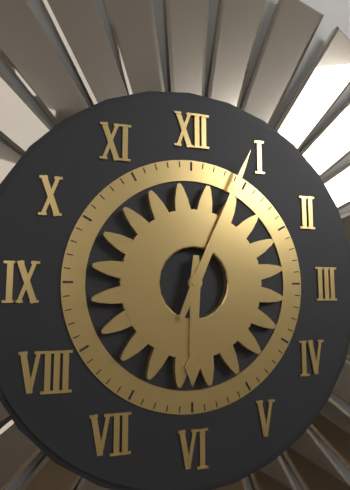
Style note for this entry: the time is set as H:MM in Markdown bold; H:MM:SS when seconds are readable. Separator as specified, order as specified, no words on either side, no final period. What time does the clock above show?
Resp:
**6:04**
